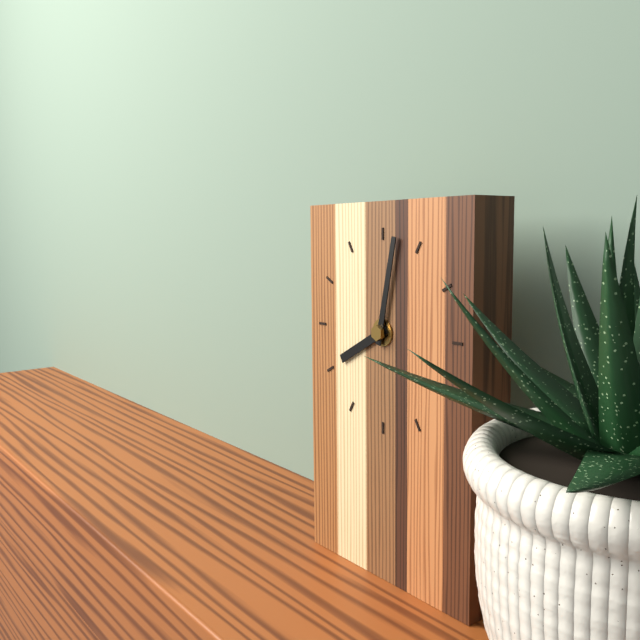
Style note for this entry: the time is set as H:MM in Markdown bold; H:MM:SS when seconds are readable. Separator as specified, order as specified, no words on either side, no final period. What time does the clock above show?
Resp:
**8:02**
